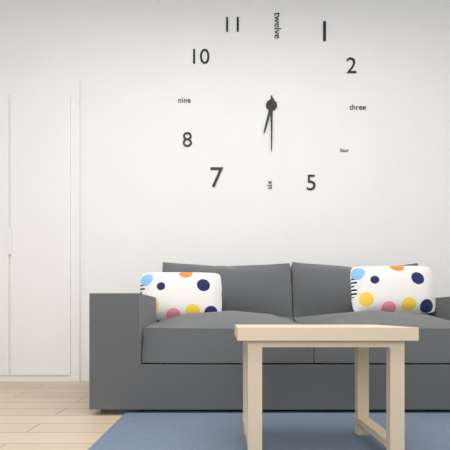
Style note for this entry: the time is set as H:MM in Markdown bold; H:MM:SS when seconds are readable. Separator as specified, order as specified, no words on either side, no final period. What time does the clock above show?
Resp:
**6:30**
